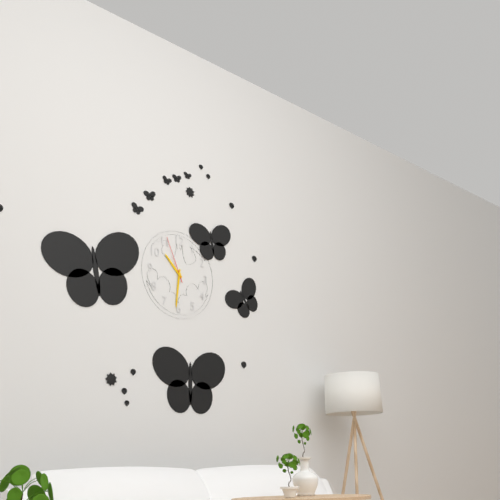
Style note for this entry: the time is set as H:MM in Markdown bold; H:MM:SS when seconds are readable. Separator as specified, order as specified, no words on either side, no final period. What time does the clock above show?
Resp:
**10:31**
